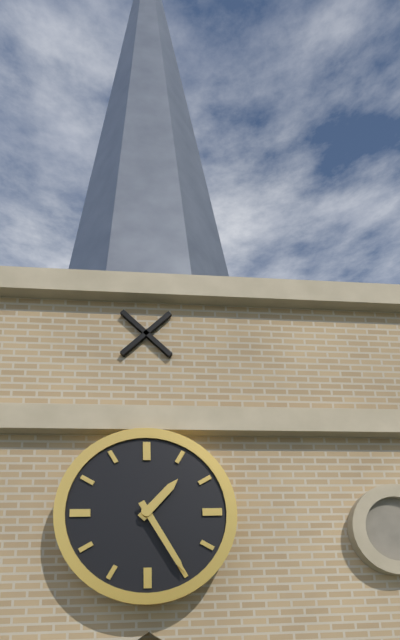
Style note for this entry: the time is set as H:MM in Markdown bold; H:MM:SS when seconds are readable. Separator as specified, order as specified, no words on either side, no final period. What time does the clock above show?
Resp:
**1:25**
